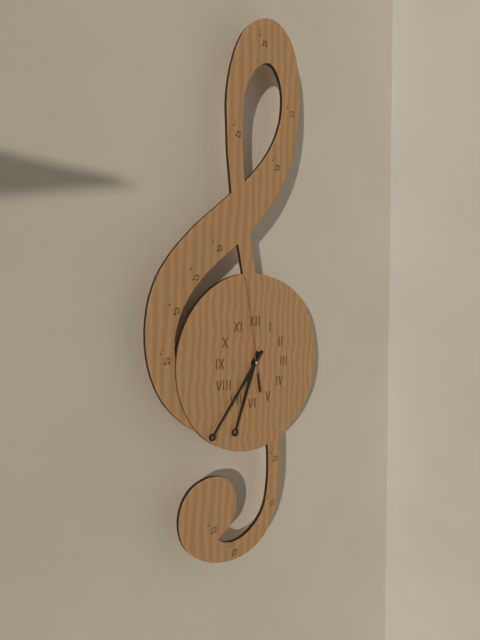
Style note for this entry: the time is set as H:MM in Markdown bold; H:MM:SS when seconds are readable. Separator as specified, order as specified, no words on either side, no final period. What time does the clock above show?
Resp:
**6:36:58**
